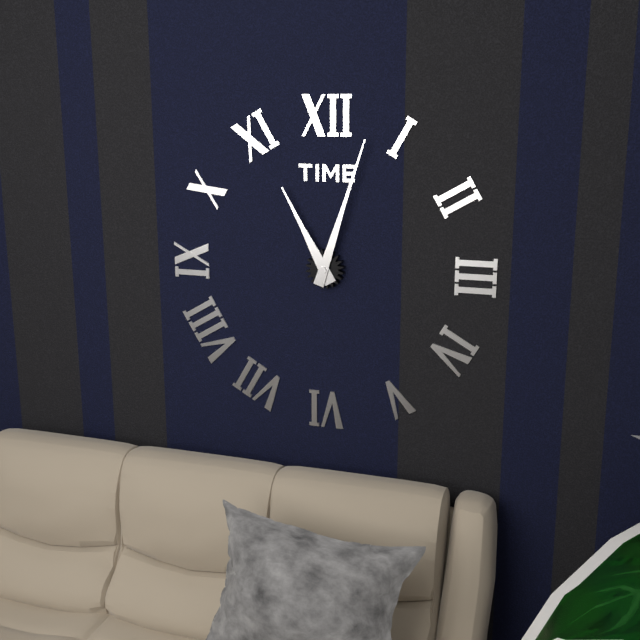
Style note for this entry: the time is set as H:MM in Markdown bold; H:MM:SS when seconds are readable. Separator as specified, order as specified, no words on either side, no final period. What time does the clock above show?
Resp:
**11:03**
